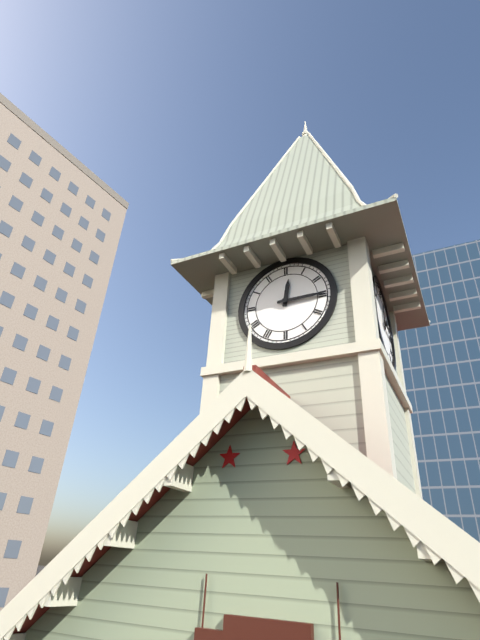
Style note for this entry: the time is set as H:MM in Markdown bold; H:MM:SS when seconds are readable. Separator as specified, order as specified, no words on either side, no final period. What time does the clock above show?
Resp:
**12:15**
